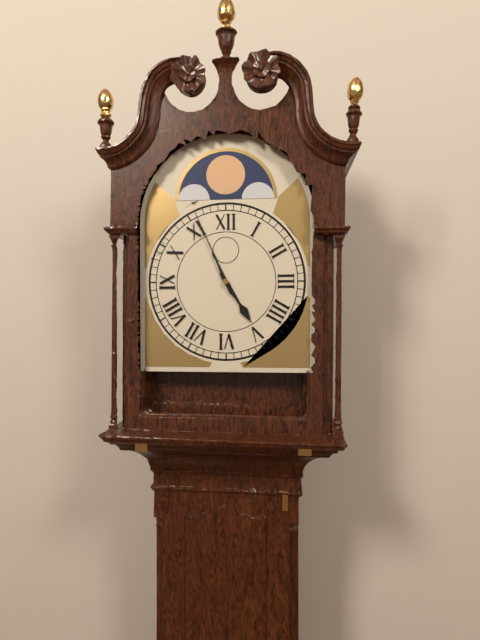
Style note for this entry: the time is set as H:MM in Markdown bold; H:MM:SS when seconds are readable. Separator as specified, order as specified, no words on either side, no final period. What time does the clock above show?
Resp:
**4:56**
